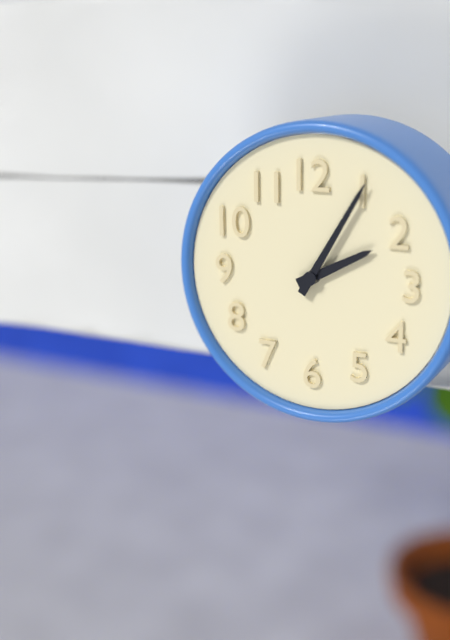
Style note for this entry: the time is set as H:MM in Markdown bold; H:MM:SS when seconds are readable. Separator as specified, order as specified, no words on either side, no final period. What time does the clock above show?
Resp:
**2:05**
